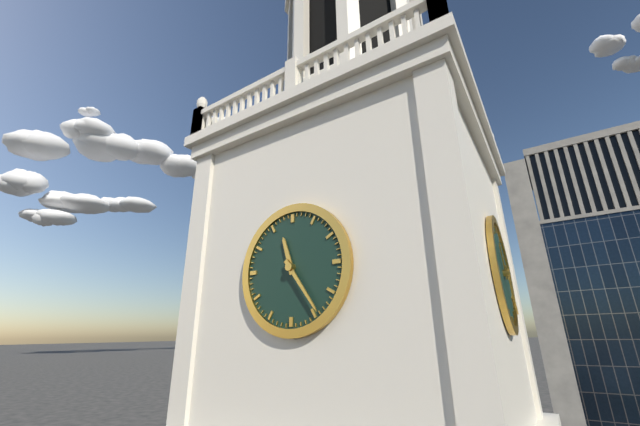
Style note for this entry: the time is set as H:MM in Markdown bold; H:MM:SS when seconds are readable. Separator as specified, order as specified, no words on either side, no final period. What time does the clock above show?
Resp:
**11:24**
